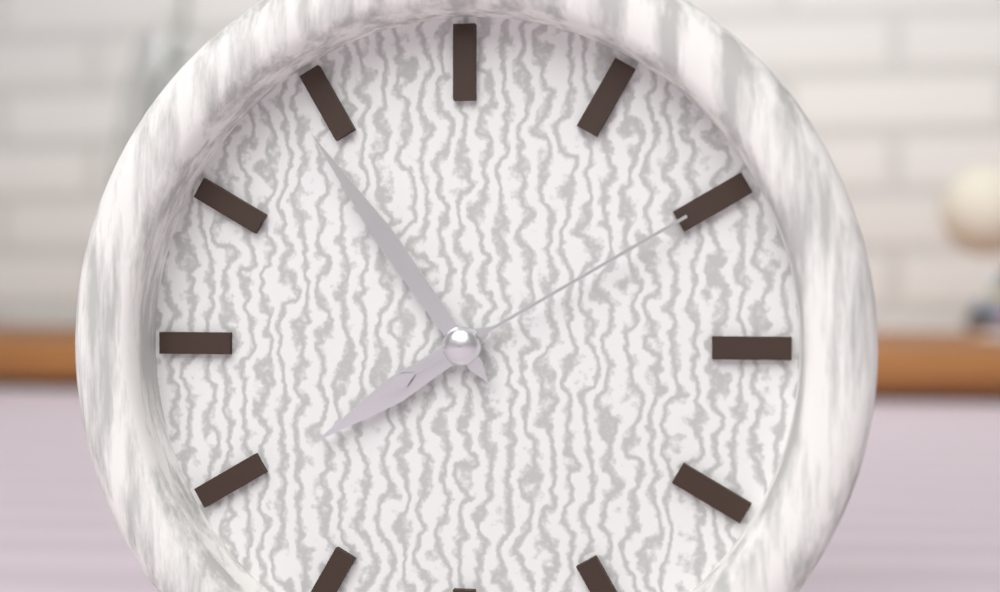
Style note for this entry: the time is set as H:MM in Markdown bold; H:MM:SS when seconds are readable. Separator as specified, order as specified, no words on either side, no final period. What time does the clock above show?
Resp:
**7:54:10**
